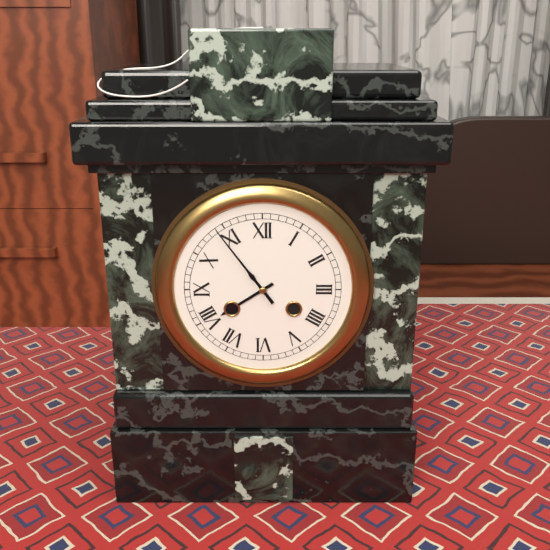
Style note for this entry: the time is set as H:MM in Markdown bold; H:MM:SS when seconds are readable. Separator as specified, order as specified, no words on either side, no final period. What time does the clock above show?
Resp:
**7:54**
